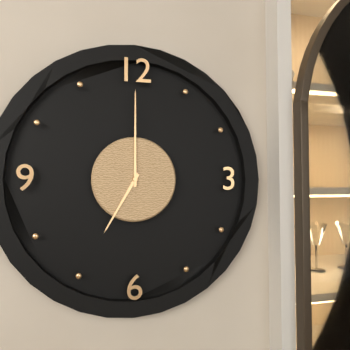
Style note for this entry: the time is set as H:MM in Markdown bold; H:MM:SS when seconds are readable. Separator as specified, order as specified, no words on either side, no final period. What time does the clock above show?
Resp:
**7:00**
